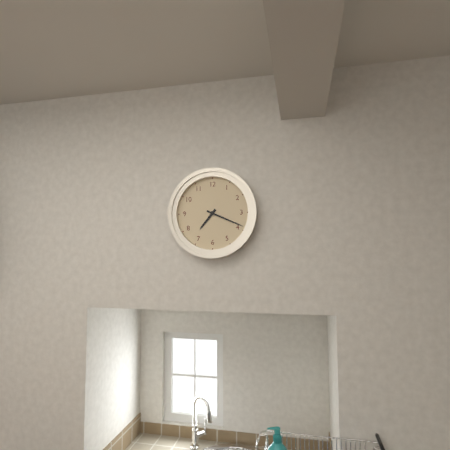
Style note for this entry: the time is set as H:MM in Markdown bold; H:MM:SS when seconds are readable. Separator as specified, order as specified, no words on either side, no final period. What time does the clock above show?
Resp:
**7:19**
